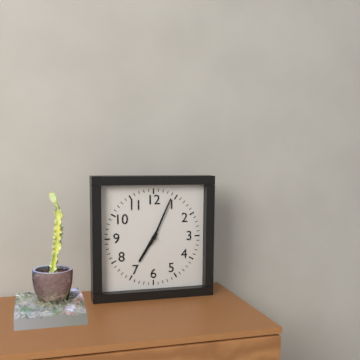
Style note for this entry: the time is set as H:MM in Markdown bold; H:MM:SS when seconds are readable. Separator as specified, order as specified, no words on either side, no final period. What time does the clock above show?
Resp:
**7:04**
